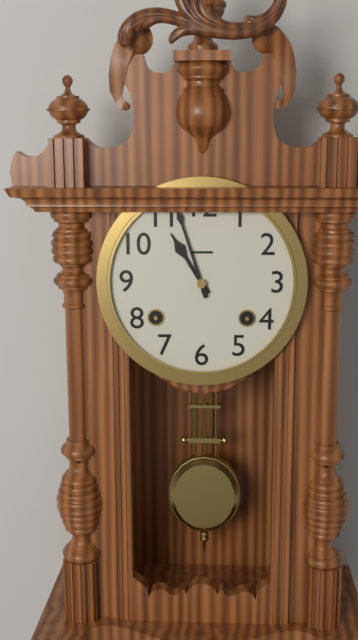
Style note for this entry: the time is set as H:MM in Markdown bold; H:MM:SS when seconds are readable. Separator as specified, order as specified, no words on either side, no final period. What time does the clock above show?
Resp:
**10:57**
